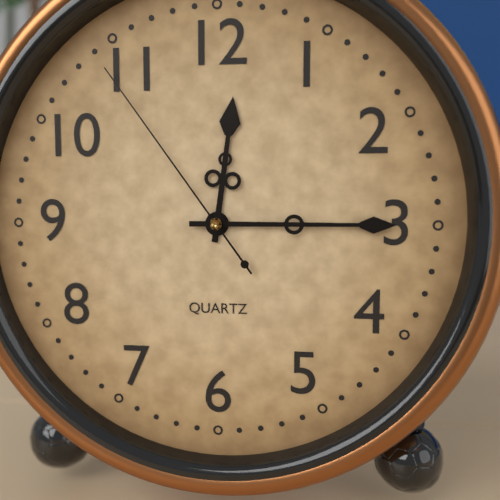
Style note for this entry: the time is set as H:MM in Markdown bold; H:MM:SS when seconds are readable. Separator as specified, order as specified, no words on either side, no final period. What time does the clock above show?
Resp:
**12:15:54**
